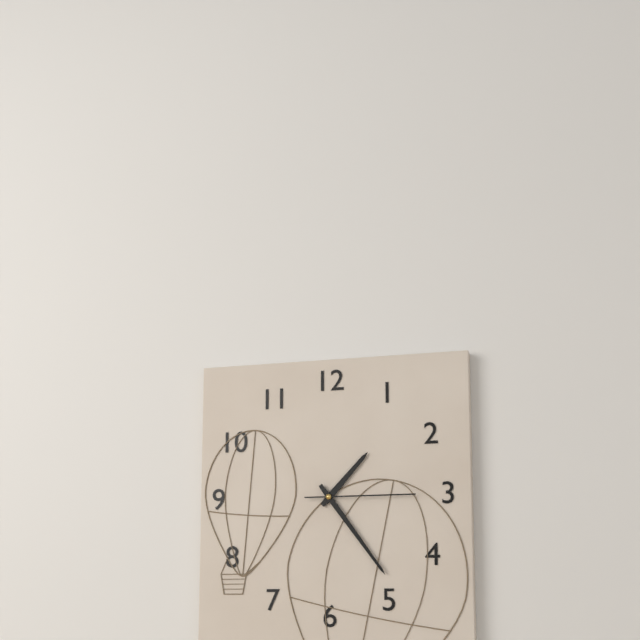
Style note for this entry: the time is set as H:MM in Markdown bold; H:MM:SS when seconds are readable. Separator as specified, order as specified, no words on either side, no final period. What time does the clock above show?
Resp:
**1:24:15**
